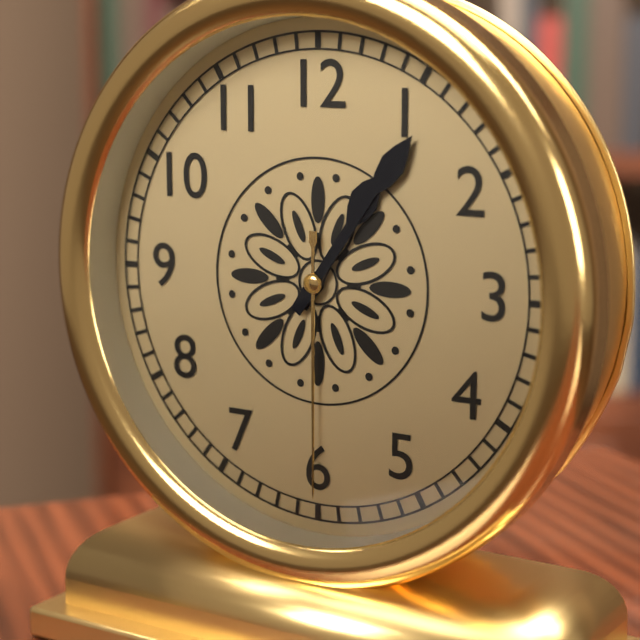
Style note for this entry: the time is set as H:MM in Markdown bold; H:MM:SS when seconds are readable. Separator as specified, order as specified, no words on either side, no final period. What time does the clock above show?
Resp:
**1:06:30**
